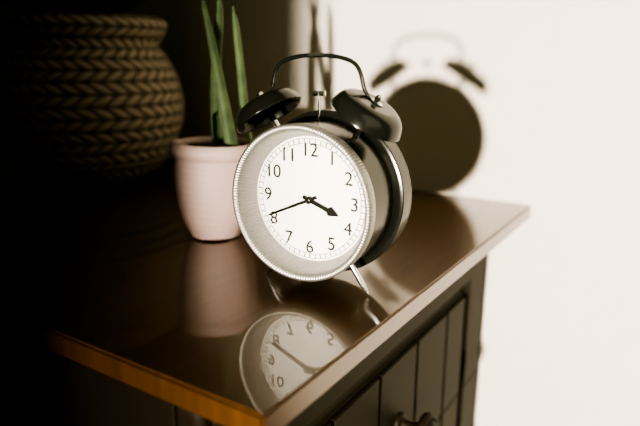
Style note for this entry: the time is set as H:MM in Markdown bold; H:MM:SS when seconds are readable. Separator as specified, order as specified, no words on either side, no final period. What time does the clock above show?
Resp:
**3:41**
